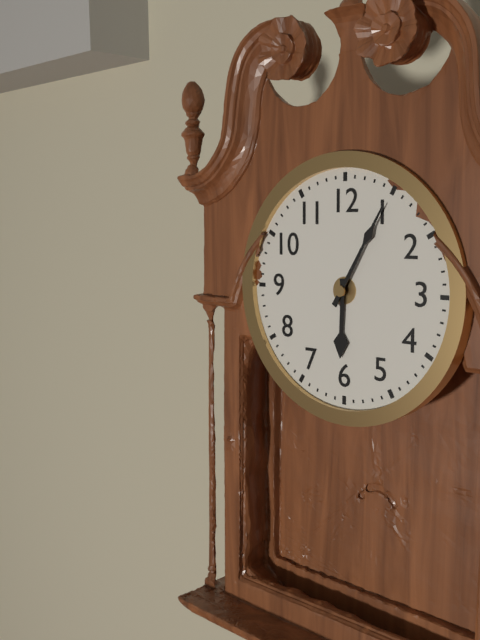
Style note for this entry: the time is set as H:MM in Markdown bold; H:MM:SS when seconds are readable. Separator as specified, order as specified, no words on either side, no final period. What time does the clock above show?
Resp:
**6:05**
